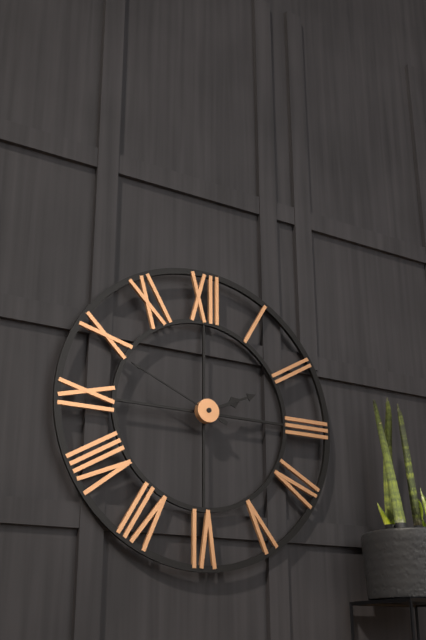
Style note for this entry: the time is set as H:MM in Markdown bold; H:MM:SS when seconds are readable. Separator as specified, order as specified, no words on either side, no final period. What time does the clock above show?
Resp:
**2:11:49**
